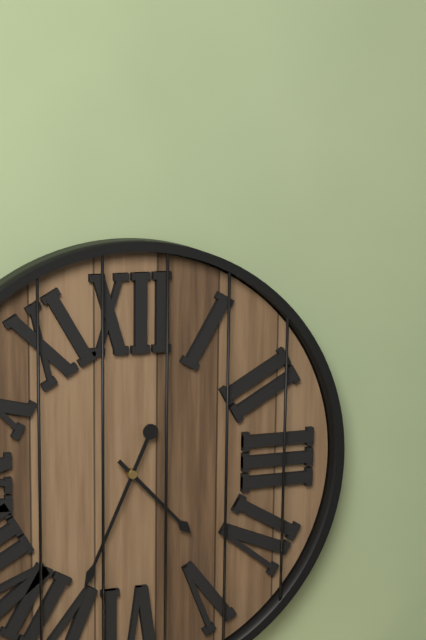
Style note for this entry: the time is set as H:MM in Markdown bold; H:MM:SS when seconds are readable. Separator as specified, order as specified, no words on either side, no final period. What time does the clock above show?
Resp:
**4:34**
